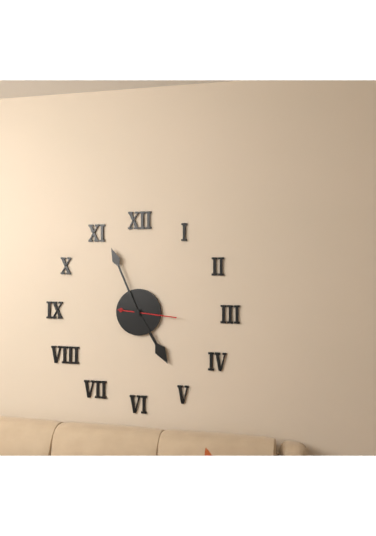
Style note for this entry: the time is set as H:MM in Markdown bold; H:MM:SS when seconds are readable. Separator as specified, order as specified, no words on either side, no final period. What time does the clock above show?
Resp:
**4:56**
